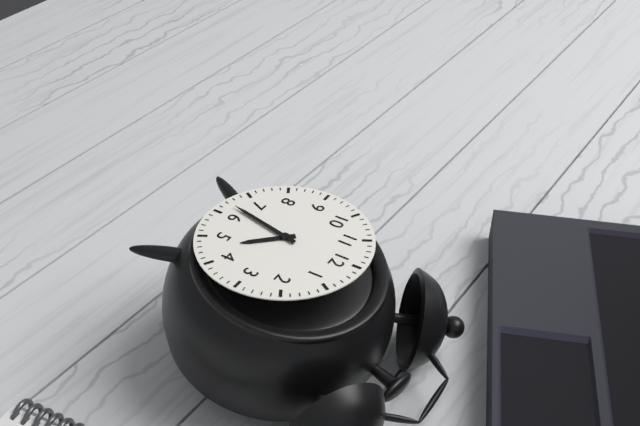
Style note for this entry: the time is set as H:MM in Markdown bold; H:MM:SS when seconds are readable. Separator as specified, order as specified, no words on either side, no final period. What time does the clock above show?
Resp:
**4:32**
